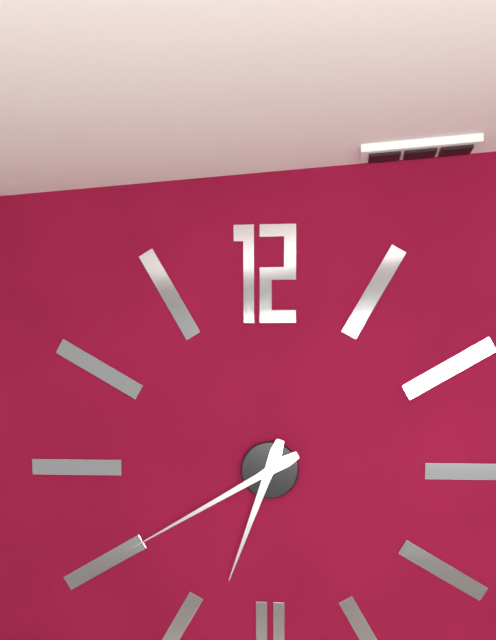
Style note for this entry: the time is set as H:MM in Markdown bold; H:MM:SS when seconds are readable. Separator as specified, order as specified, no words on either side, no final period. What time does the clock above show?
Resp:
**6:40**
